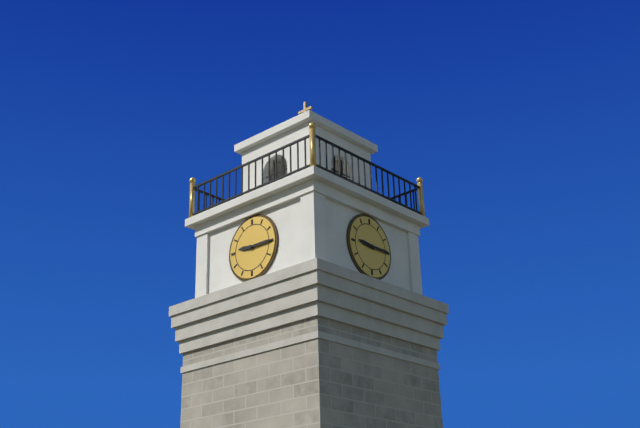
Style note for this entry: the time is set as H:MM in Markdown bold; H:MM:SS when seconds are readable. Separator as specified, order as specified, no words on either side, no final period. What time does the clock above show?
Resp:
**9:15**
